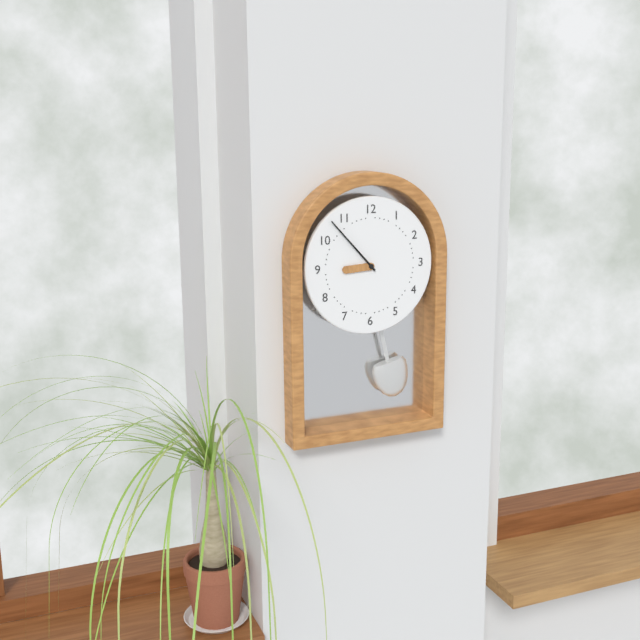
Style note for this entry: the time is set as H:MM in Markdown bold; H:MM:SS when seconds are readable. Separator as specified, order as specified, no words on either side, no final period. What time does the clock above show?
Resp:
**8:53**
